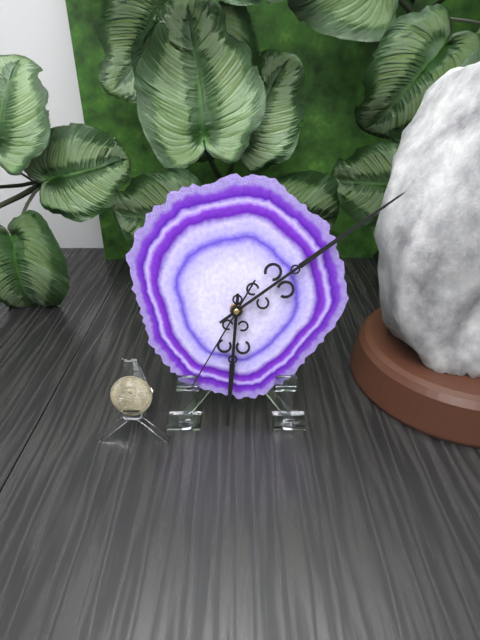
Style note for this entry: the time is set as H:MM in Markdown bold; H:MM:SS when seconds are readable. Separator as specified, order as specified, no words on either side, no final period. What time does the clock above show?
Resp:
**6:09:35**
